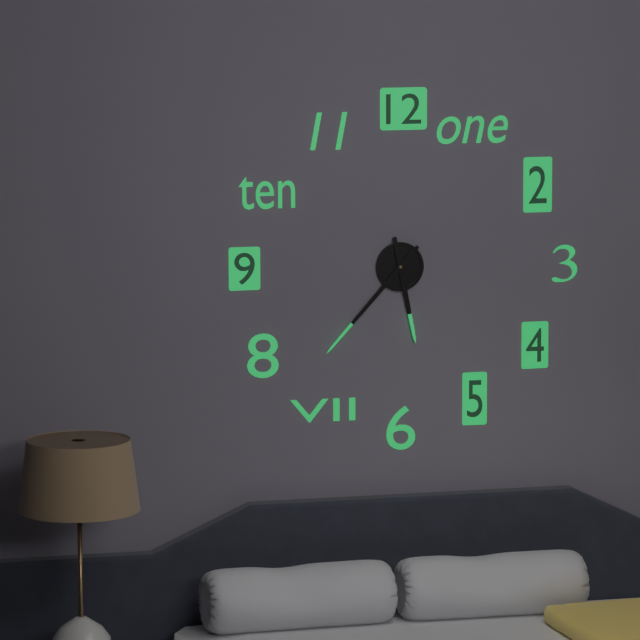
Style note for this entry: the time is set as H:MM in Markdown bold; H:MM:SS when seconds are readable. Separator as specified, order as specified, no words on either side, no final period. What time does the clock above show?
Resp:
**5:37**
